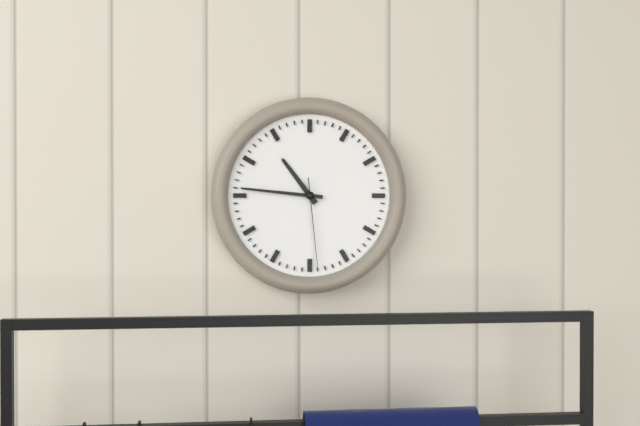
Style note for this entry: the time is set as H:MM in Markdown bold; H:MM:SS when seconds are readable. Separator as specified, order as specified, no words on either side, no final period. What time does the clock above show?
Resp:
**10:46:29**
